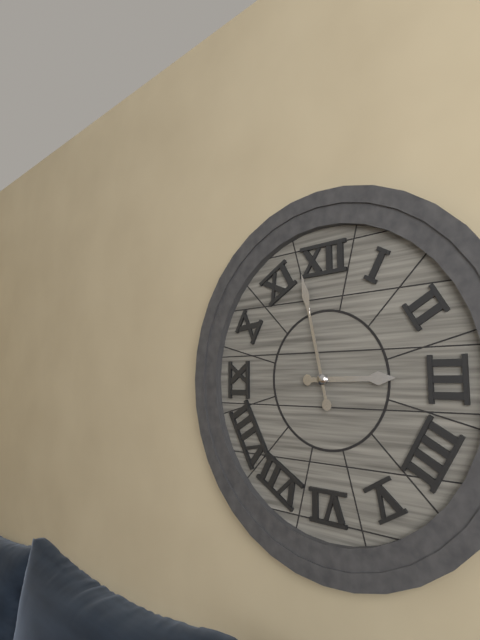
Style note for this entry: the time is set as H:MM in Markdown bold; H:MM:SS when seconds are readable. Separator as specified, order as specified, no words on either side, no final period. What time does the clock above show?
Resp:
**2:58**
